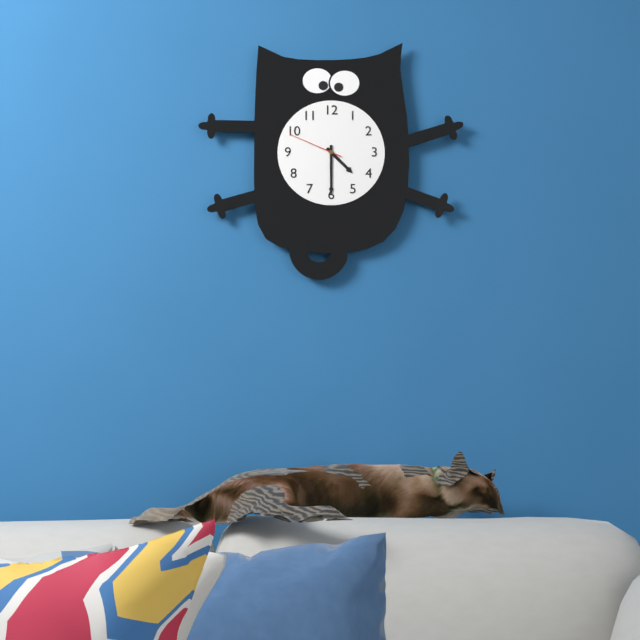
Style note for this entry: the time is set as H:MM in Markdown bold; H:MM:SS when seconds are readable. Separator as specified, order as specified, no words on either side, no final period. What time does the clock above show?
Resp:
**4:30:49**
